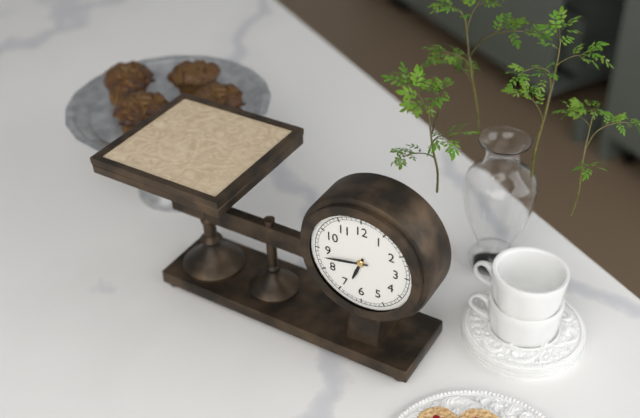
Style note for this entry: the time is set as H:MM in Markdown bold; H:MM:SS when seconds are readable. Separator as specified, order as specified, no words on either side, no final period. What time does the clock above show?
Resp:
**6:43**
